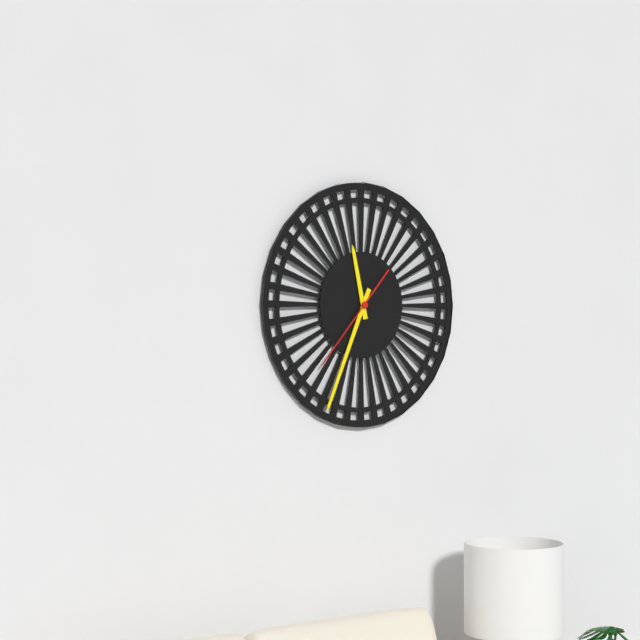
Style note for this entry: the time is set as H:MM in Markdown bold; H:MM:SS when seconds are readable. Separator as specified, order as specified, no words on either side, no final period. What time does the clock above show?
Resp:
**11:34:37**
